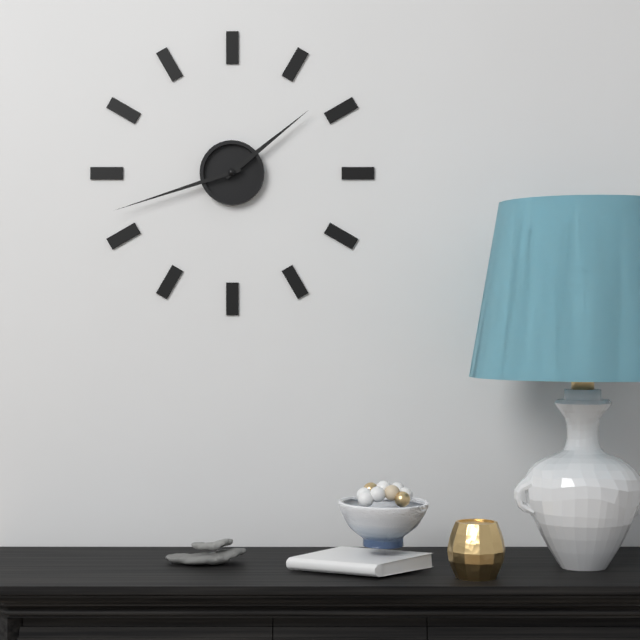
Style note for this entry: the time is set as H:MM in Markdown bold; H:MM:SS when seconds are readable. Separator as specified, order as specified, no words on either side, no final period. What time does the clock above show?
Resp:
**1:42**
